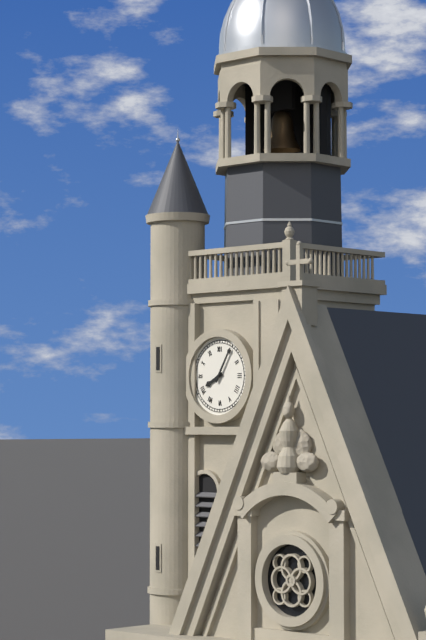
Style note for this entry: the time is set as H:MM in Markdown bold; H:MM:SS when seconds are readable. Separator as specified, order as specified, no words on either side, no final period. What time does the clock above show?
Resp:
**8:05**
